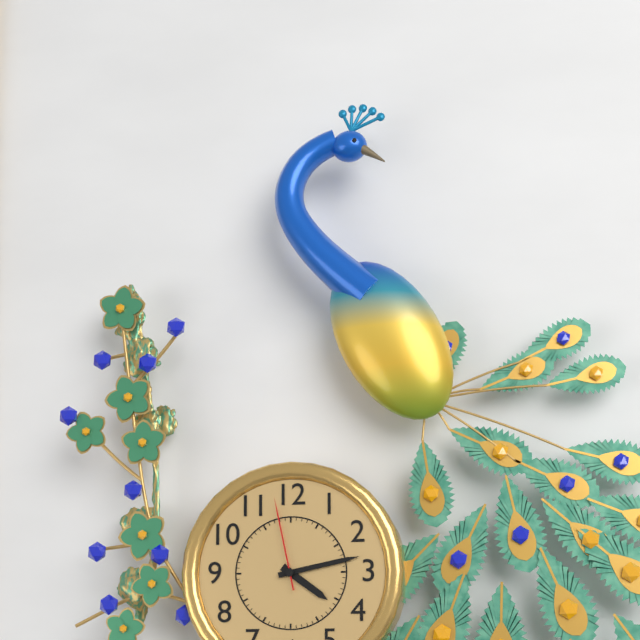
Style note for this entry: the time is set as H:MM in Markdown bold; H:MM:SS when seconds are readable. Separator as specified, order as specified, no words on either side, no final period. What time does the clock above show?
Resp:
**4:13:58**
